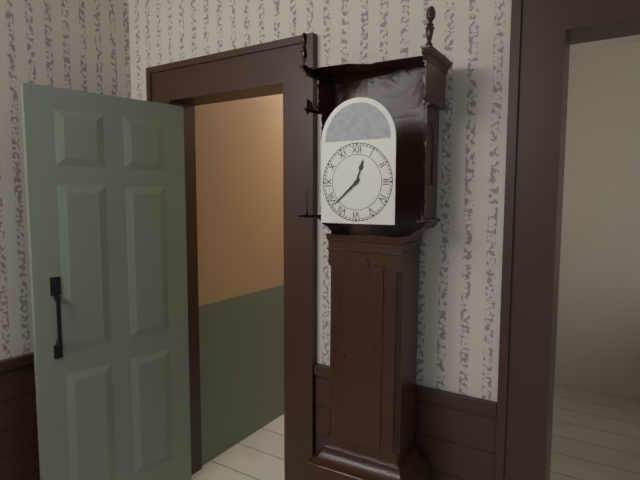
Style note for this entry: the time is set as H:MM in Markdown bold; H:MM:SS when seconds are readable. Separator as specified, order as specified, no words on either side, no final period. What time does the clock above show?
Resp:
**12:38**
